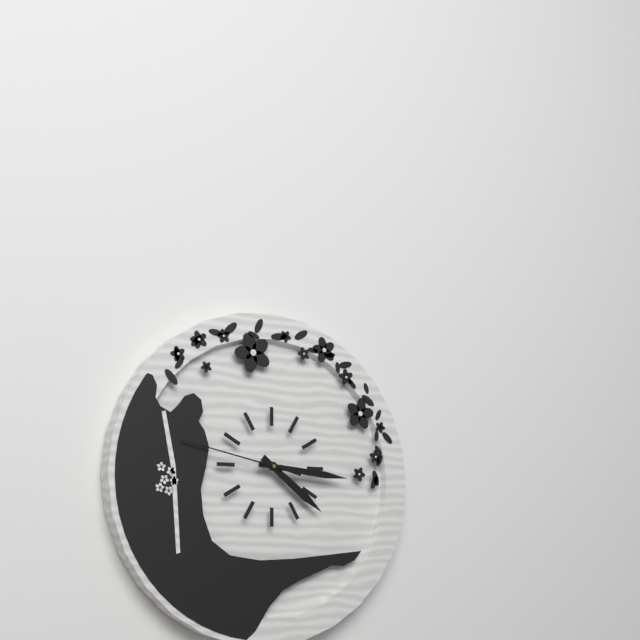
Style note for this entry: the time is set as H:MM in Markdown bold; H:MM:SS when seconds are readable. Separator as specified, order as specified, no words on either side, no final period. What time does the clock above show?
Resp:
**4:16:47**
